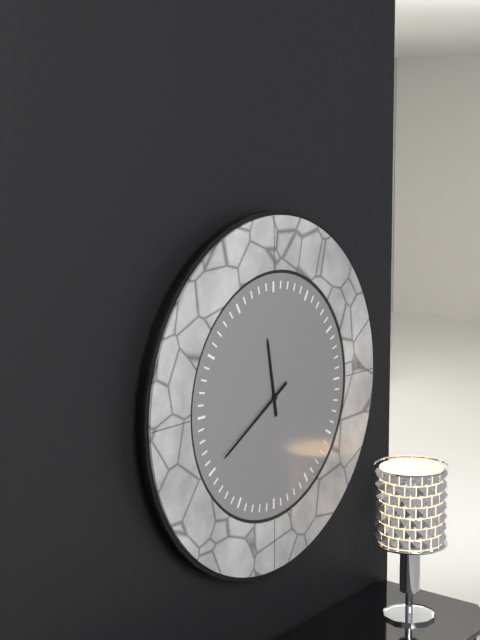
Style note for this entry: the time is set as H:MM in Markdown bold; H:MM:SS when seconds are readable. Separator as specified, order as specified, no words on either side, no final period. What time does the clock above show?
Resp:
**11:40**
